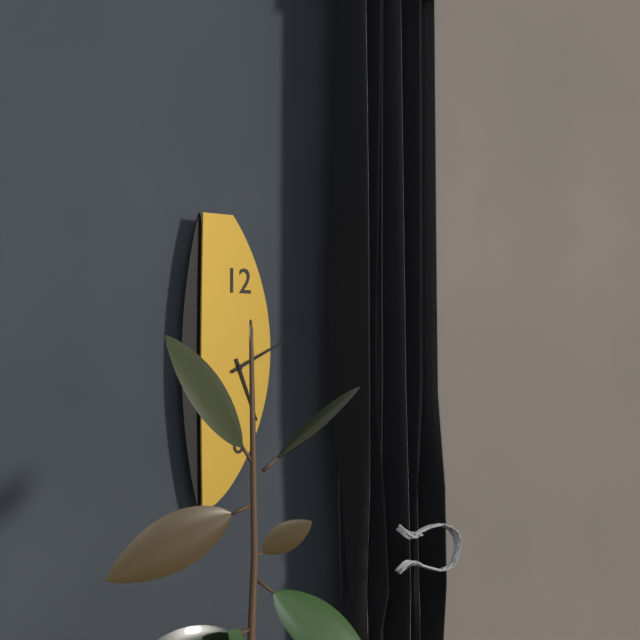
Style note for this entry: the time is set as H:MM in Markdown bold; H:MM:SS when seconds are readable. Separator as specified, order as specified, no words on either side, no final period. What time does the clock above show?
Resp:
**5:11**
